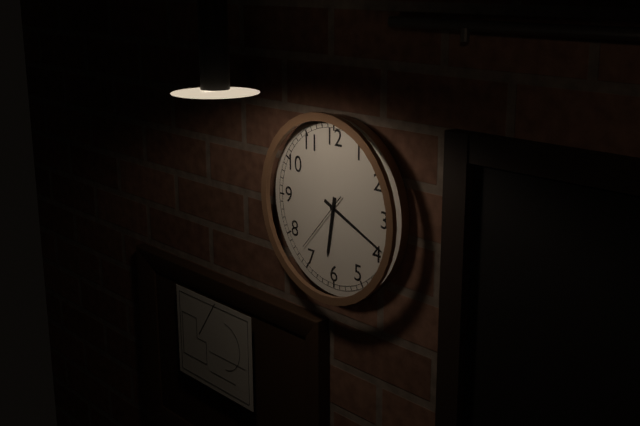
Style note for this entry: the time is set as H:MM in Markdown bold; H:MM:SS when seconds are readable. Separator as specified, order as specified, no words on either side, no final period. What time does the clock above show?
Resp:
**6:19:37**
